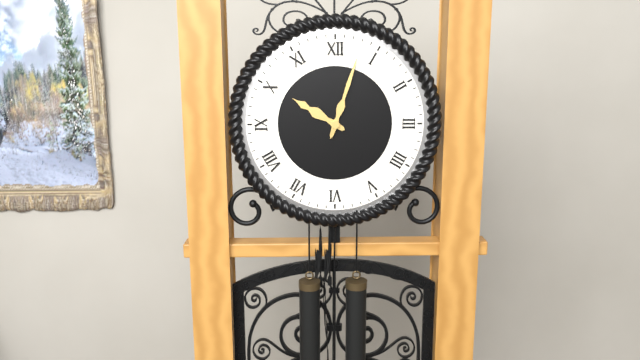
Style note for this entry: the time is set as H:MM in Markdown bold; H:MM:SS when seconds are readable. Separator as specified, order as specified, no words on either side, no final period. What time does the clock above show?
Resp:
**10:03**
